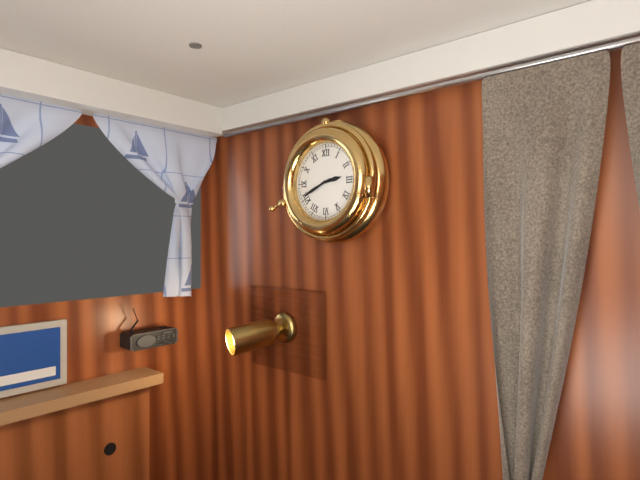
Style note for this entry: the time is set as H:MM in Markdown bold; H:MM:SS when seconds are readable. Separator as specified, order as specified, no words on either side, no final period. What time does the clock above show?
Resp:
**2:41**
